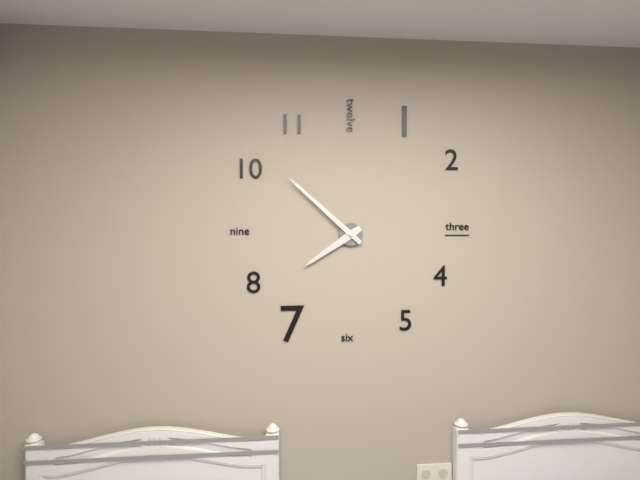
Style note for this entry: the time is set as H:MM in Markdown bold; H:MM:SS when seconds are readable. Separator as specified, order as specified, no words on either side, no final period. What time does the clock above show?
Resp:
**7:52**
